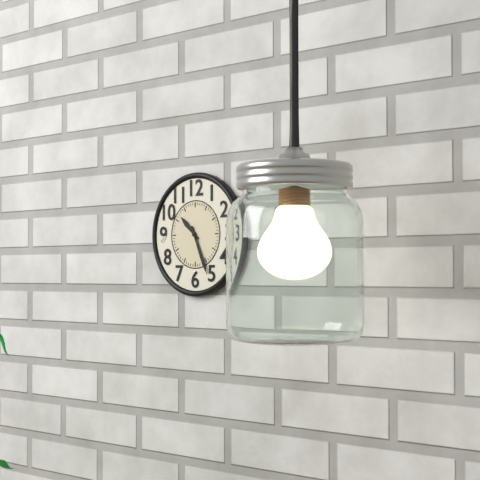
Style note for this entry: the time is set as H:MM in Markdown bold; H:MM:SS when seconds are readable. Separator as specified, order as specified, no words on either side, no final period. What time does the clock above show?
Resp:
**10:26**
